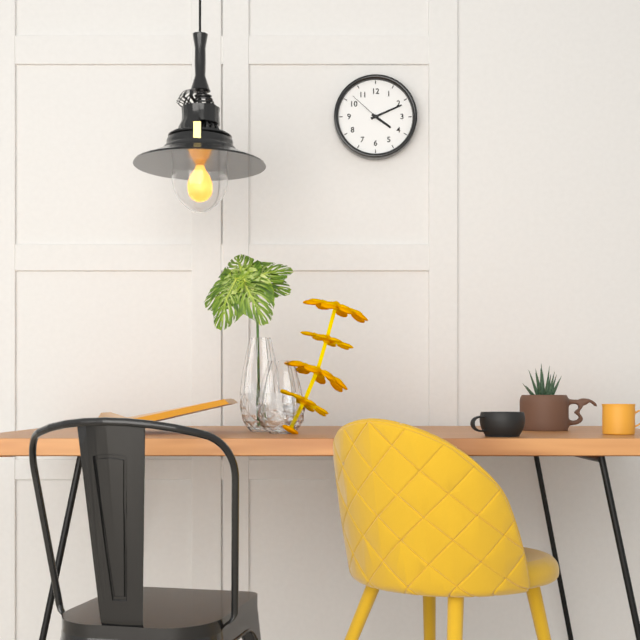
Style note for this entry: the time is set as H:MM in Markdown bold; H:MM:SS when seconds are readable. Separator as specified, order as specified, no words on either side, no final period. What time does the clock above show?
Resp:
**4:11**
